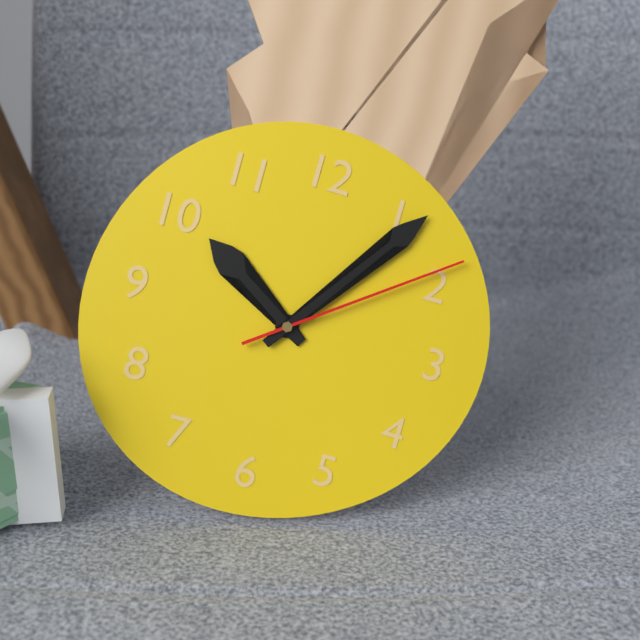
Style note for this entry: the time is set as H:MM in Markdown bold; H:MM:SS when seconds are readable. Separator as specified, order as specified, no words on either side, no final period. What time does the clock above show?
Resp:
**10:06:09**
